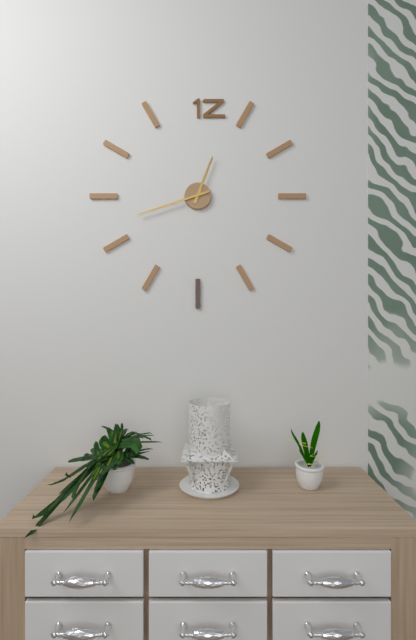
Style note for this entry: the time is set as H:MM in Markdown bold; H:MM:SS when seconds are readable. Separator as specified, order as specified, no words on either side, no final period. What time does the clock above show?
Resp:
**12:42**
